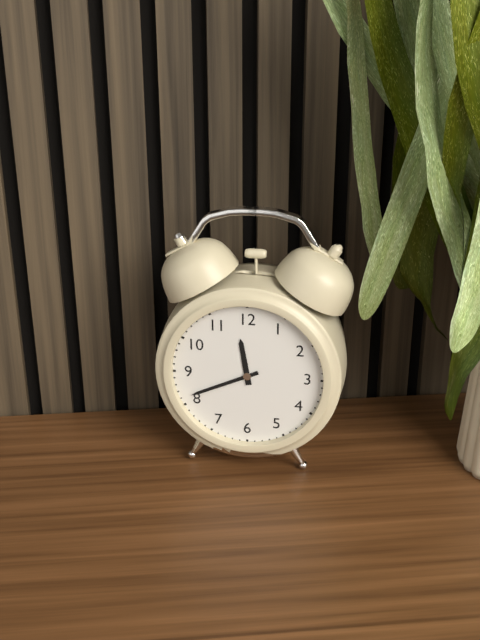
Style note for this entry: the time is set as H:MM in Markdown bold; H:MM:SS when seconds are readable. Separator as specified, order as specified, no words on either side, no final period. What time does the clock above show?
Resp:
**11:41**
